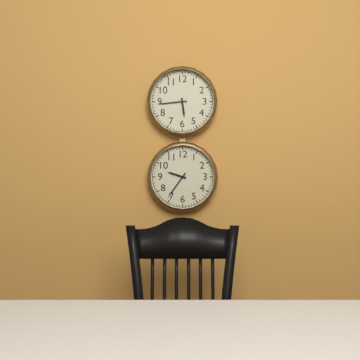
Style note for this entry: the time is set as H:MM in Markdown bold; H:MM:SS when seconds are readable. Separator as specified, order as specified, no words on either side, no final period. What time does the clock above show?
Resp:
**5:44**
